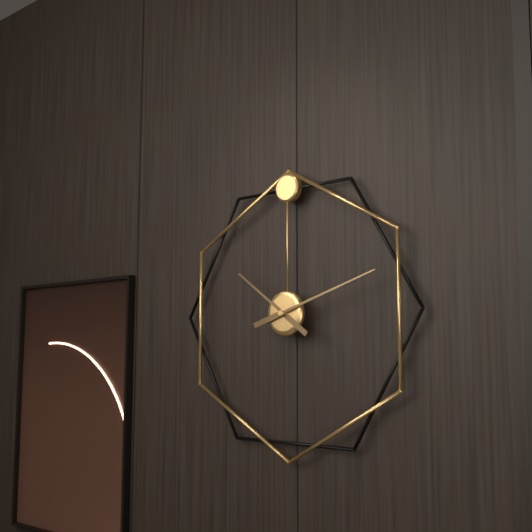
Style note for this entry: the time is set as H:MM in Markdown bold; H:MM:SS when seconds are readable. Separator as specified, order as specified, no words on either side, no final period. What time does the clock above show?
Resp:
**10:12**
